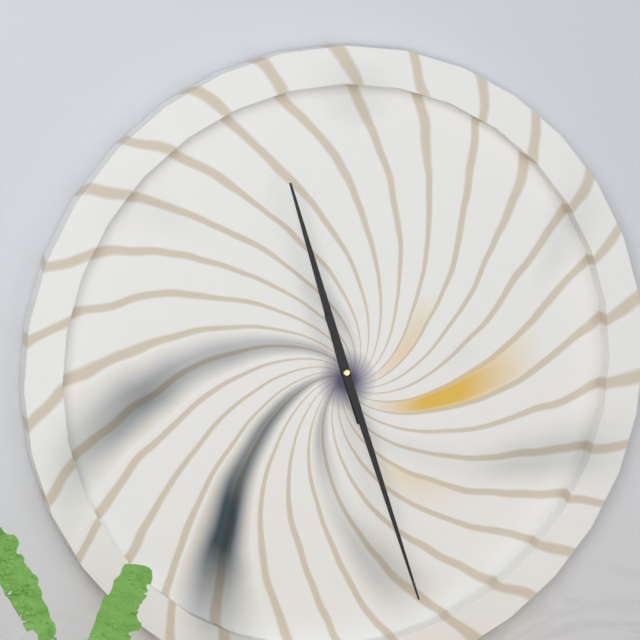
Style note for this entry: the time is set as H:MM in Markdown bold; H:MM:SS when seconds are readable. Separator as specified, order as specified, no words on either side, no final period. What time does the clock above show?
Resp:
**11:27**
